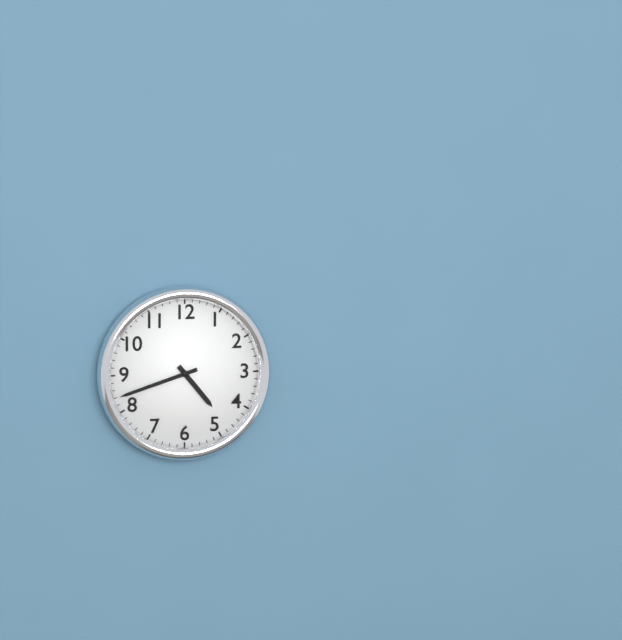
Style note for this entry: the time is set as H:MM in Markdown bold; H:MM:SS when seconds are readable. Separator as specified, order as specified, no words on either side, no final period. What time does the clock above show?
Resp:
**4:42**
